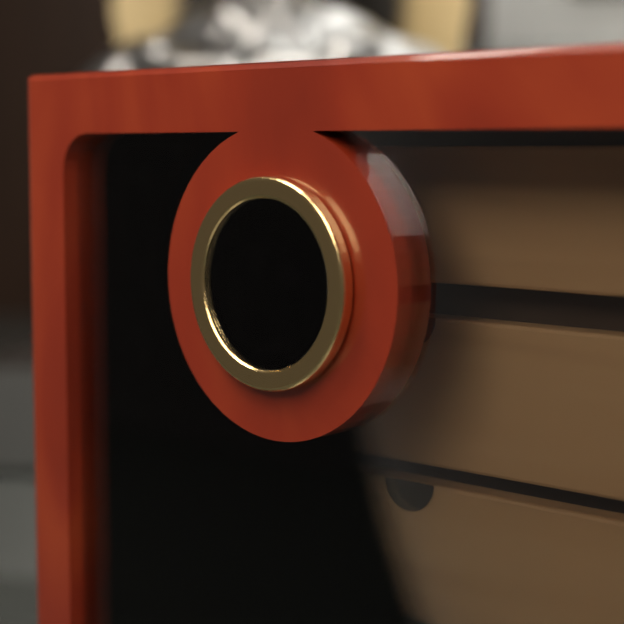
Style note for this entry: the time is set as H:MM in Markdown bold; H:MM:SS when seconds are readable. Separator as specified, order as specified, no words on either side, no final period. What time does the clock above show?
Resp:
**7:06**
